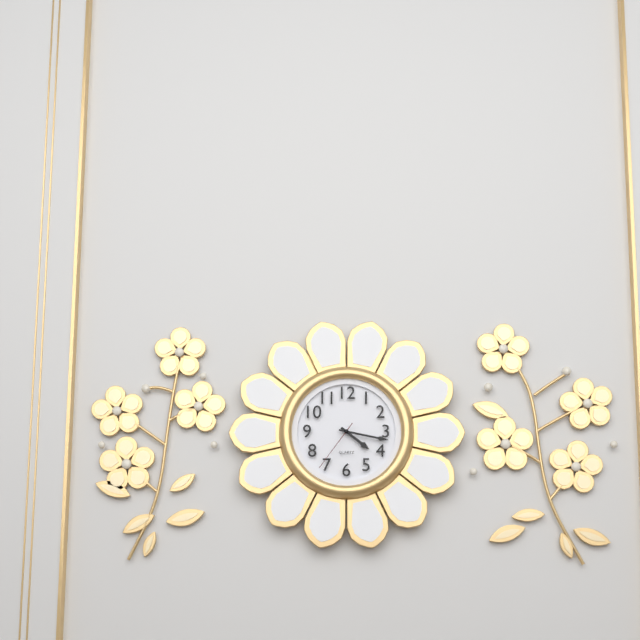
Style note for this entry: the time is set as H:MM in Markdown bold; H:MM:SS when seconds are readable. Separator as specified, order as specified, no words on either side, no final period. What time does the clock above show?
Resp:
**4:17:36**
